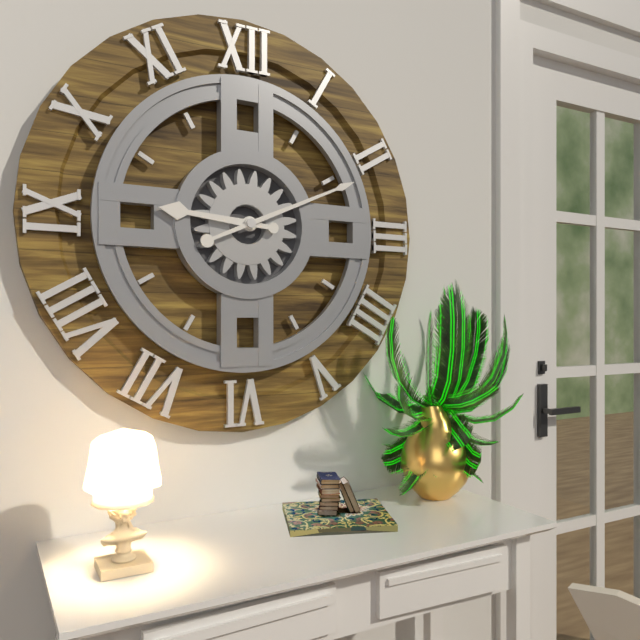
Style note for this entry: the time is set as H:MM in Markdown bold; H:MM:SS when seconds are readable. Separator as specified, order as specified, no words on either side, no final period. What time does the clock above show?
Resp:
**9:11**
